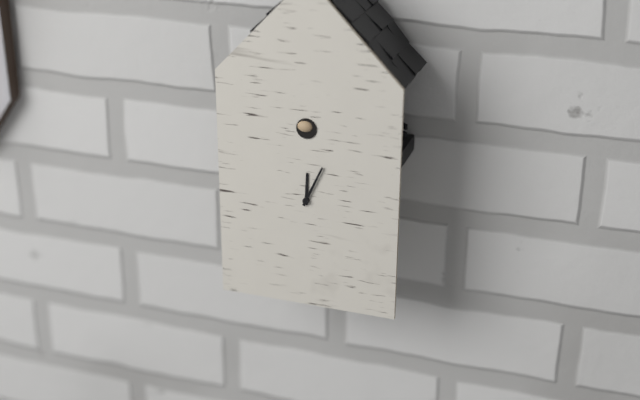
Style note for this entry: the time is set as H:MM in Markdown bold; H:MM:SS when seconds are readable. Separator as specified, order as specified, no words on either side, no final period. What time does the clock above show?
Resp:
**12:04**
